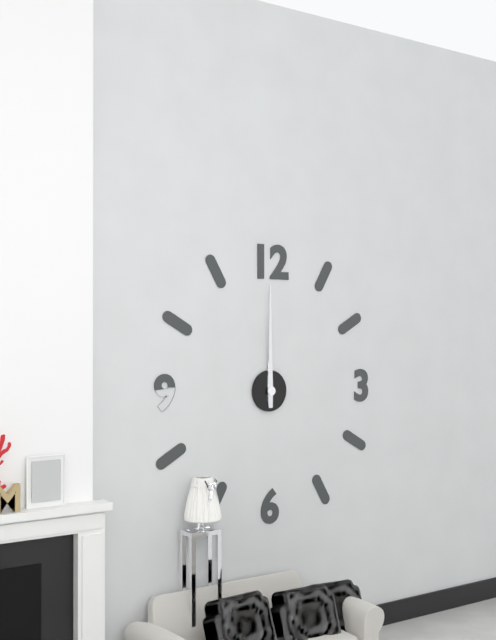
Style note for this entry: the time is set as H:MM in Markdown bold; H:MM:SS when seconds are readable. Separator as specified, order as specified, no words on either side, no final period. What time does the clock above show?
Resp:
**12:00**
